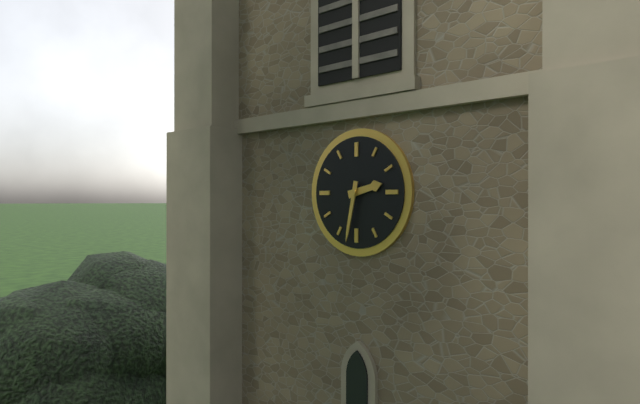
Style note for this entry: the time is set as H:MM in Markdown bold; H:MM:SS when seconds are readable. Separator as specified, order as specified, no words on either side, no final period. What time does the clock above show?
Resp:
**2:32**
